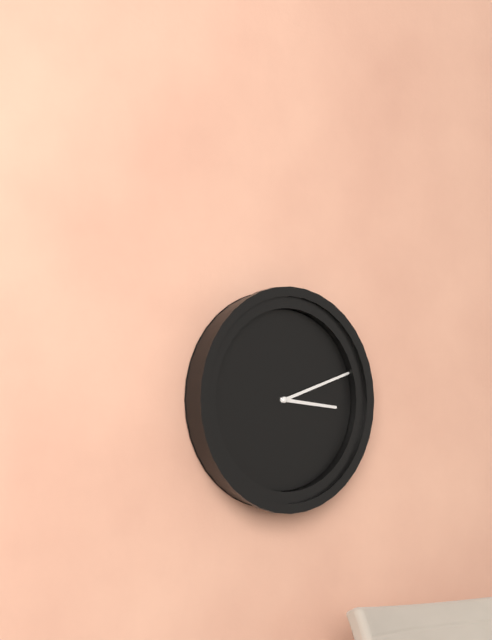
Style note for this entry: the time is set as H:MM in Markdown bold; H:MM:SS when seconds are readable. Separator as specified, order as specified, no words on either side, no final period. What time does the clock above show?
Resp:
**3:12**
